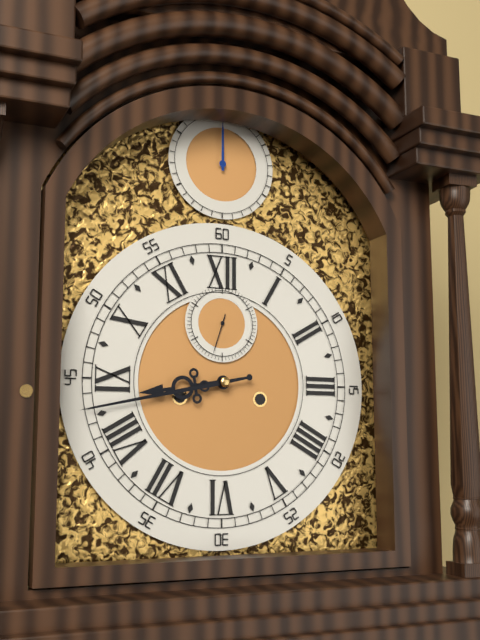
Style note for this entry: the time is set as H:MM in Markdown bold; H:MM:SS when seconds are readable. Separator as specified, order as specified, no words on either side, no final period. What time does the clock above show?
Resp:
**8:43**
